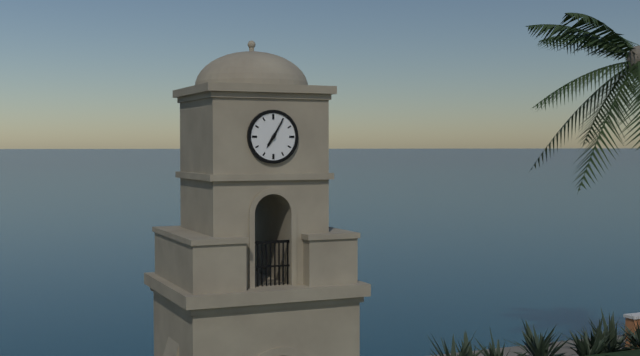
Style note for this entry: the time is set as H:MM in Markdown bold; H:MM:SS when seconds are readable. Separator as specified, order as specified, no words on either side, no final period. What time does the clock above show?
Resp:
**7:05**
